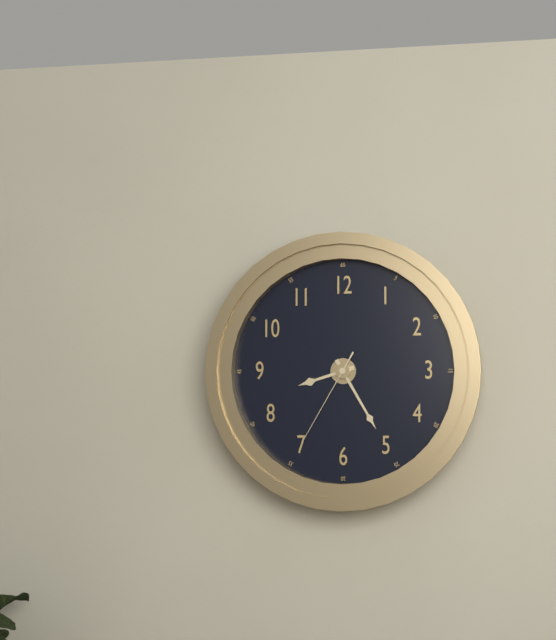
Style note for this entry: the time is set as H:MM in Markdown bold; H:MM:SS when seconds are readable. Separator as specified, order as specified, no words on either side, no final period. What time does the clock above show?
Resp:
**8:25:35**
